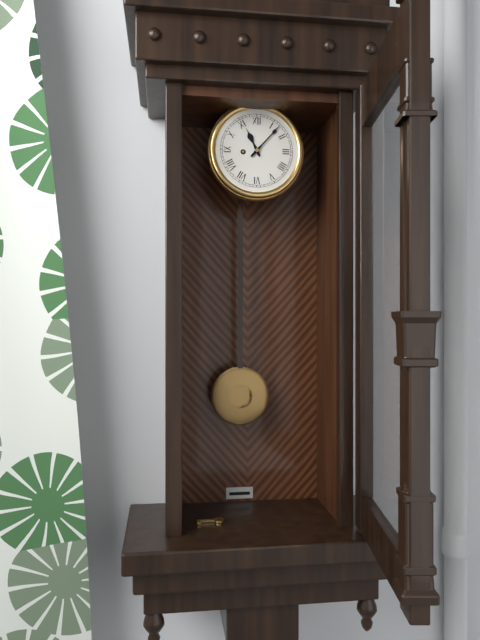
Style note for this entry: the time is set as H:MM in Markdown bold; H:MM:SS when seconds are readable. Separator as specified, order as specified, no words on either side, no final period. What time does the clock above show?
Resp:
**11:07**
